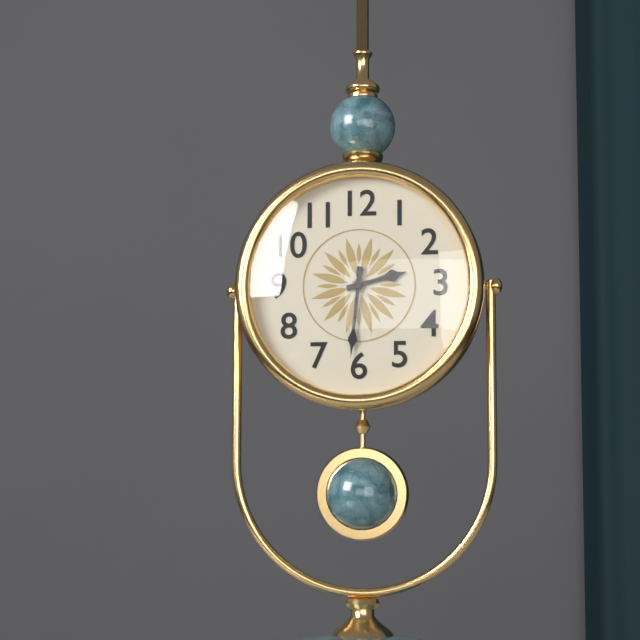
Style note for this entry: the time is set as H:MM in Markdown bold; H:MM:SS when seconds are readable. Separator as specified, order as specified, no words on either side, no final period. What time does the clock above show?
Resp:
**2:31**
